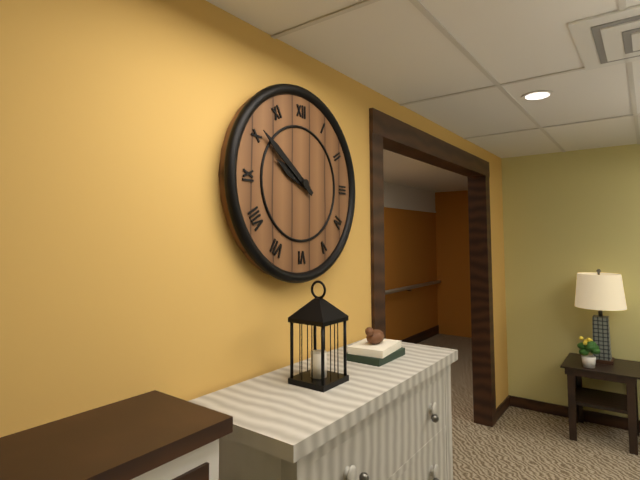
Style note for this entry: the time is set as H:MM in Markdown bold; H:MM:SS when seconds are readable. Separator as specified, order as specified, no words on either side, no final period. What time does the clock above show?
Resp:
**9:51**
